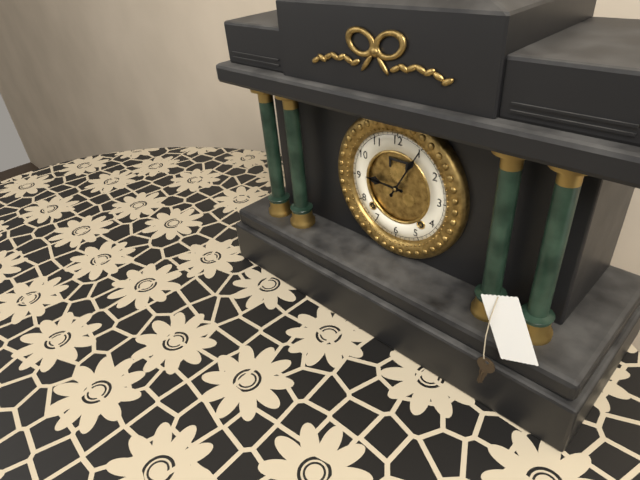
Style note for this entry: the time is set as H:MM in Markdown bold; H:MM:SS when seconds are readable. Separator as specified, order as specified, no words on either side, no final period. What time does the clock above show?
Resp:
**9:05**
